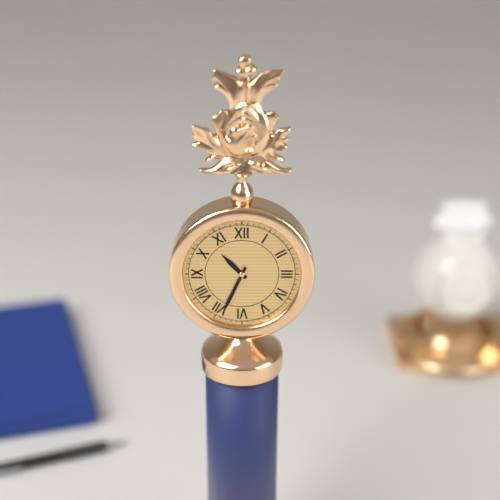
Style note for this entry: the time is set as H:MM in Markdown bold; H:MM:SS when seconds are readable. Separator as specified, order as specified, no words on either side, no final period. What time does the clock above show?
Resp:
**10:34**
